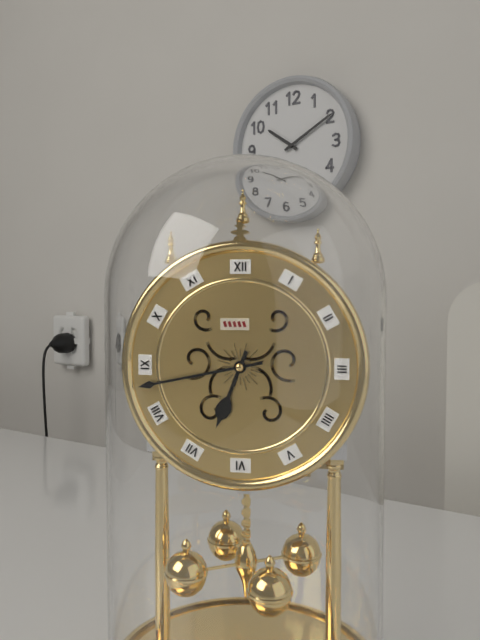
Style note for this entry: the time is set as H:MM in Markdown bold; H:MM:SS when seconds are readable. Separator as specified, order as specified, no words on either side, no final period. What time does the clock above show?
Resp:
**6:43**
